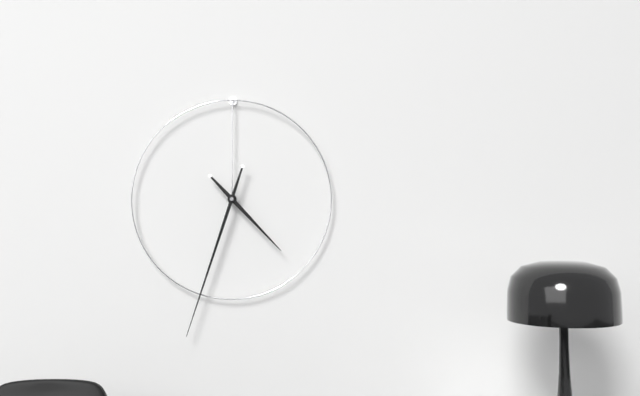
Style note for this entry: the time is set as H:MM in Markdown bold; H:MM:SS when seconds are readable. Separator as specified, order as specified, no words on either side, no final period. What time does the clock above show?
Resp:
**4:33**
